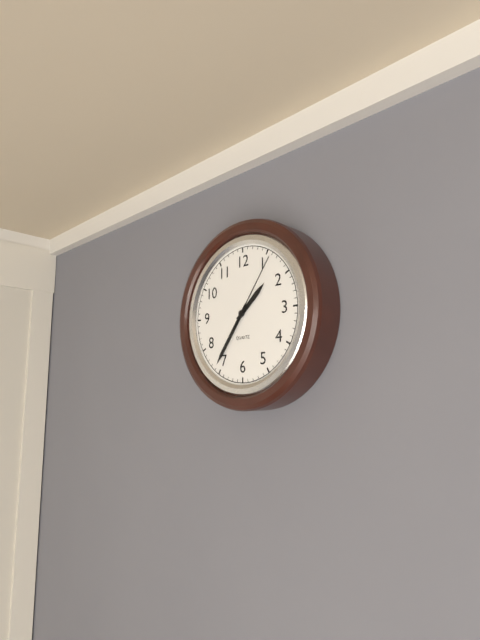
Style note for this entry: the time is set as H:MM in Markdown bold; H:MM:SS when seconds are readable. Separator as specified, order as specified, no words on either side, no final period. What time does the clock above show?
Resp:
**1:36:06**
